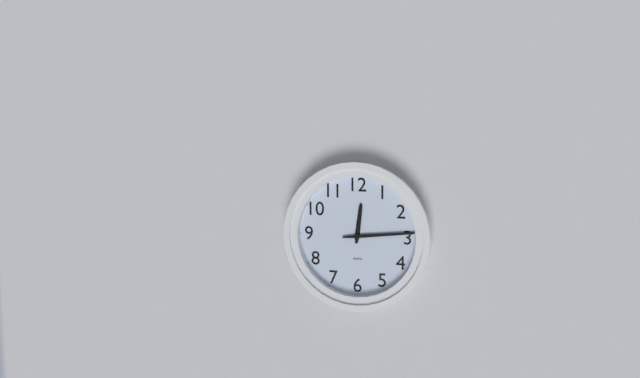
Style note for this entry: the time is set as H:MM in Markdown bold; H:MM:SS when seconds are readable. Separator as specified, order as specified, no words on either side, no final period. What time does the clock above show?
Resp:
**12:14**
